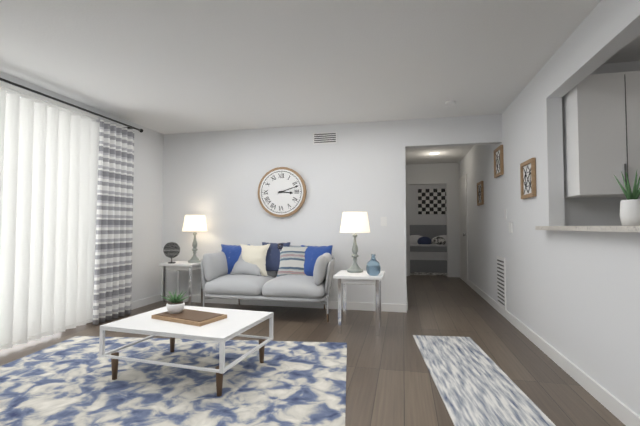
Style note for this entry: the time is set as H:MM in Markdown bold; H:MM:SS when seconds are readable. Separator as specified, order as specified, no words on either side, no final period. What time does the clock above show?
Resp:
**3:12**
